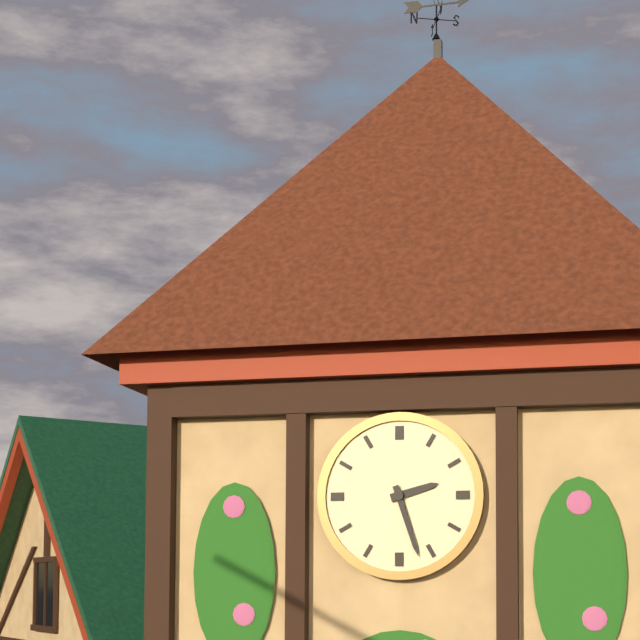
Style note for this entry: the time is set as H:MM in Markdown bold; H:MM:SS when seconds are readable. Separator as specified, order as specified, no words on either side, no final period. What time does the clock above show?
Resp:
**2:27**
